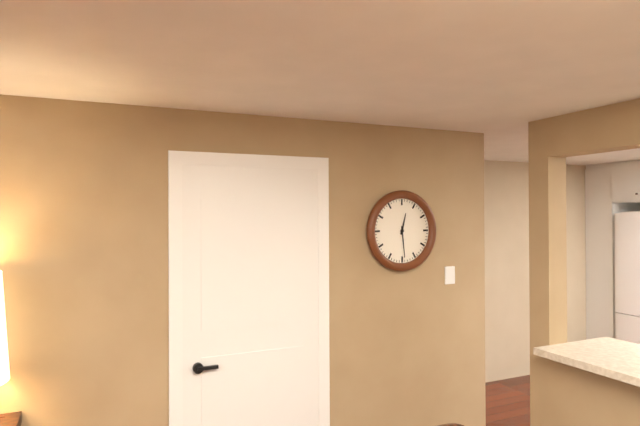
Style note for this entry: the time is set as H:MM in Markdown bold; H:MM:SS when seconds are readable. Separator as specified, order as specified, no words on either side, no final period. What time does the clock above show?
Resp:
**12:29**
